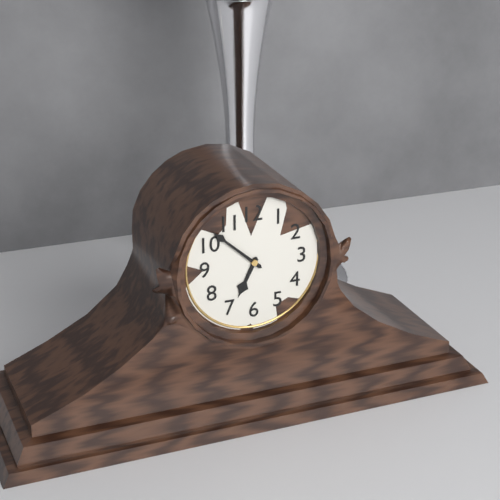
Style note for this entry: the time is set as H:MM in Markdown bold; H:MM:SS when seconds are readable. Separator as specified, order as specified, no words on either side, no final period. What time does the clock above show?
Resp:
**6:52**
